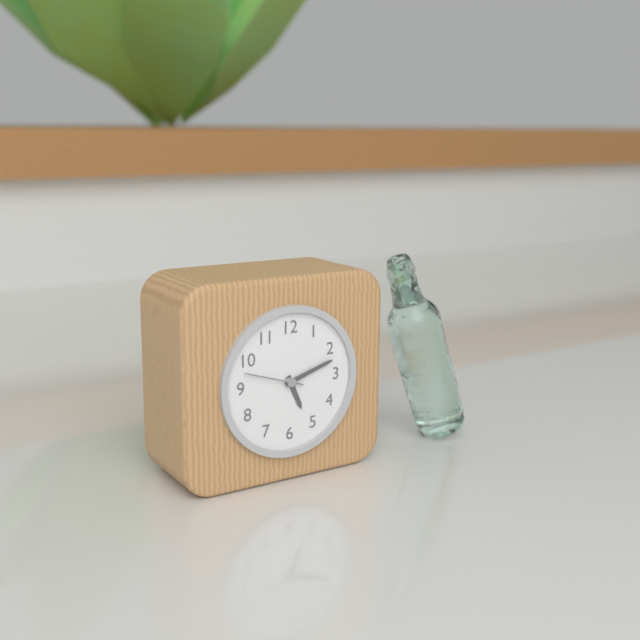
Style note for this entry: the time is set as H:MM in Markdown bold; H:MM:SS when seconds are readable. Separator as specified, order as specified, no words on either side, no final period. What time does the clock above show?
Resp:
**5:12:48**
